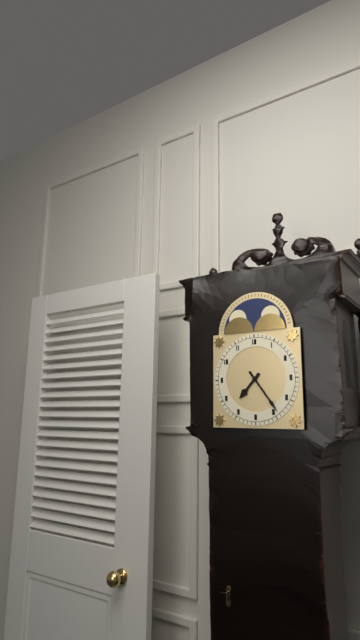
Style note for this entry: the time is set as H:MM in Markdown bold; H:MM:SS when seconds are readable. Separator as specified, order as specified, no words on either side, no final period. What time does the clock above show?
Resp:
**7:24**
